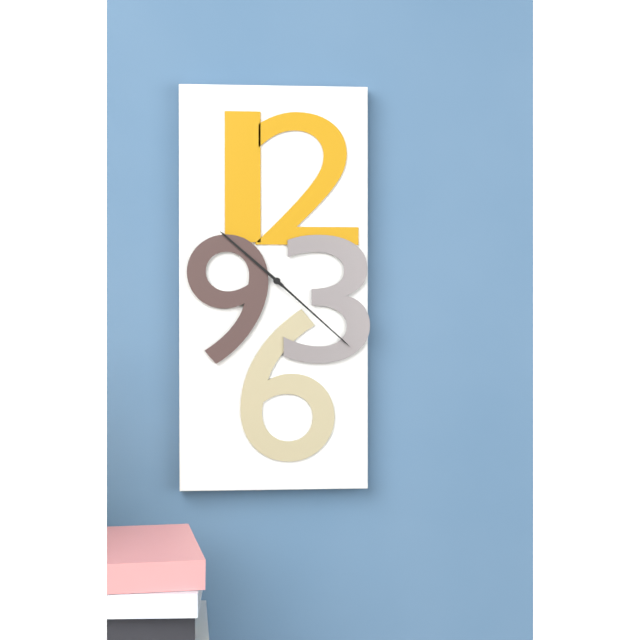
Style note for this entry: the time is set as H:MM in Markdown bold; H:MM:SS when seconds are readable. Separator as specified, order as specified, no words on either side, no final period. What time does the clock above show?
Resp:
**10:22**
